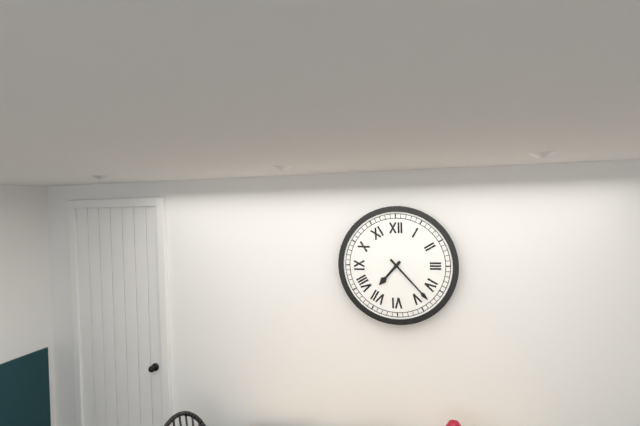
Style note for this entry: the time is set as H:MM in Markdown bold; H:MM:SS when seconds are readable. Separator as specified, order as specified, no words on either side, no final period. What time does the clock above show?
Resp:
**7:23**
